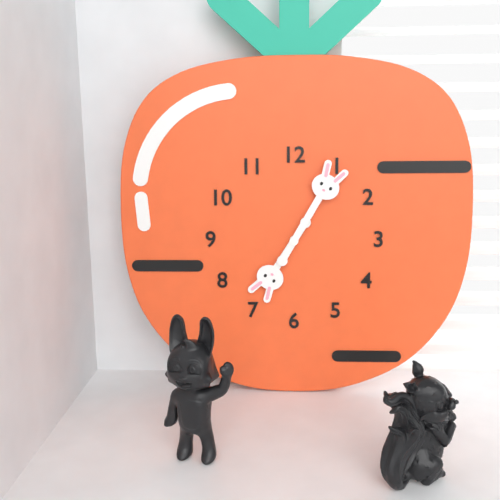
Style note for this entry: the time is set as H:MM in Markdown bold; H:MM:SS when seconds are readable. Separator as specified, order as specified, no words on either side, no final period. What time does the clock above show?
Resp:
**7:05**
